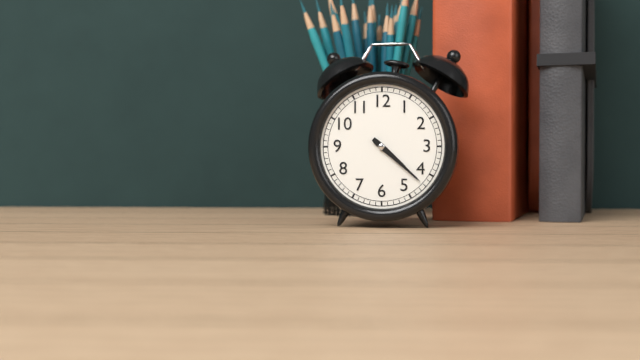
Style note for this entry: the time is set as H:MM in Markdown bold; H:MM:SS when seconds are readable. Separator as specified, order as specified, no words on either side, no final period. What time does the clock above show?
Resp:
**4:22**
